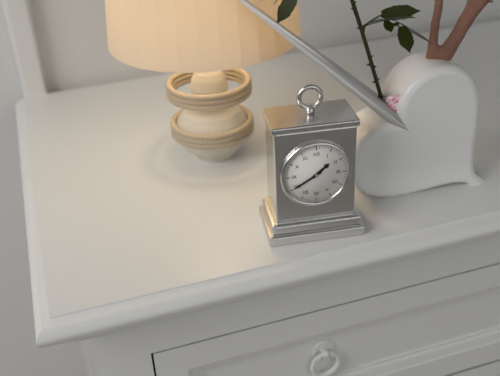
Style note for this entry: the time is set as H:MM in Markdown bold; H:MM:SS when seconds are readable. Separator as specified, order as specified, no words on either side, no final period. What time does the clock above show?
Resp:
**1:40**
